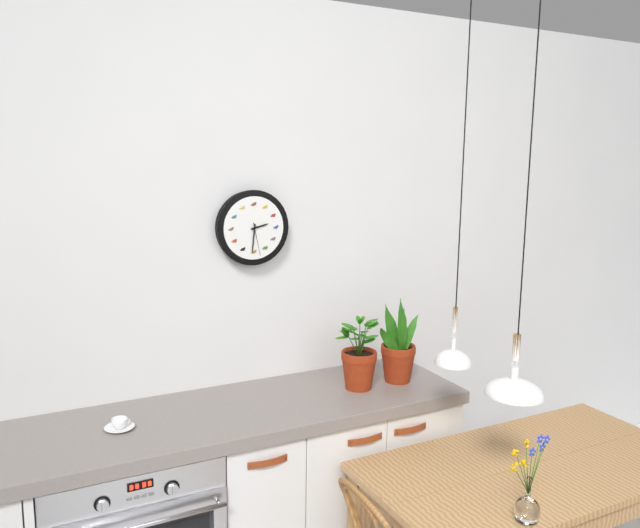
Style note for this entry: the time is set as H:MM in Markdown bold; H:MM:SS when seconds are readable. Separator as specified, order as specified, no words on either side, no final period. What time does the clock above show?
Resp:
**2:31**
